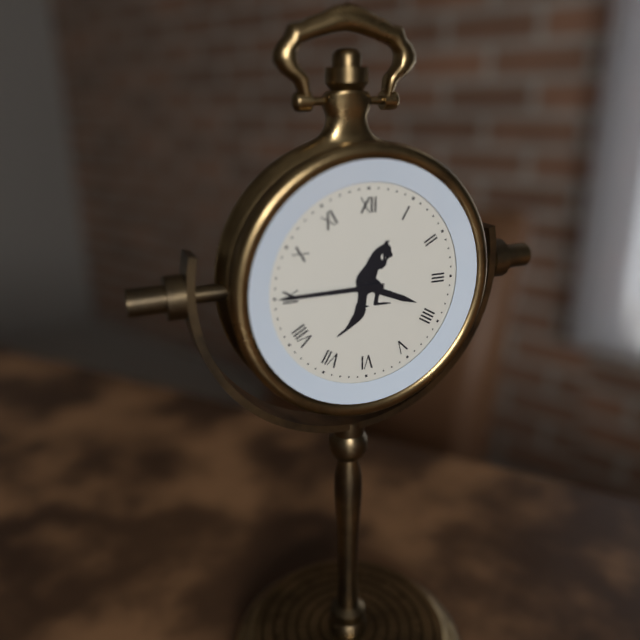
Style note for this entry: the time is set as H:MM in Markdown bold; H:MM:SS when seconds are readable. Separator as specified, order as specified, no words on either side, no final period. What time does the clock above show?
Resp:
**3:45**
